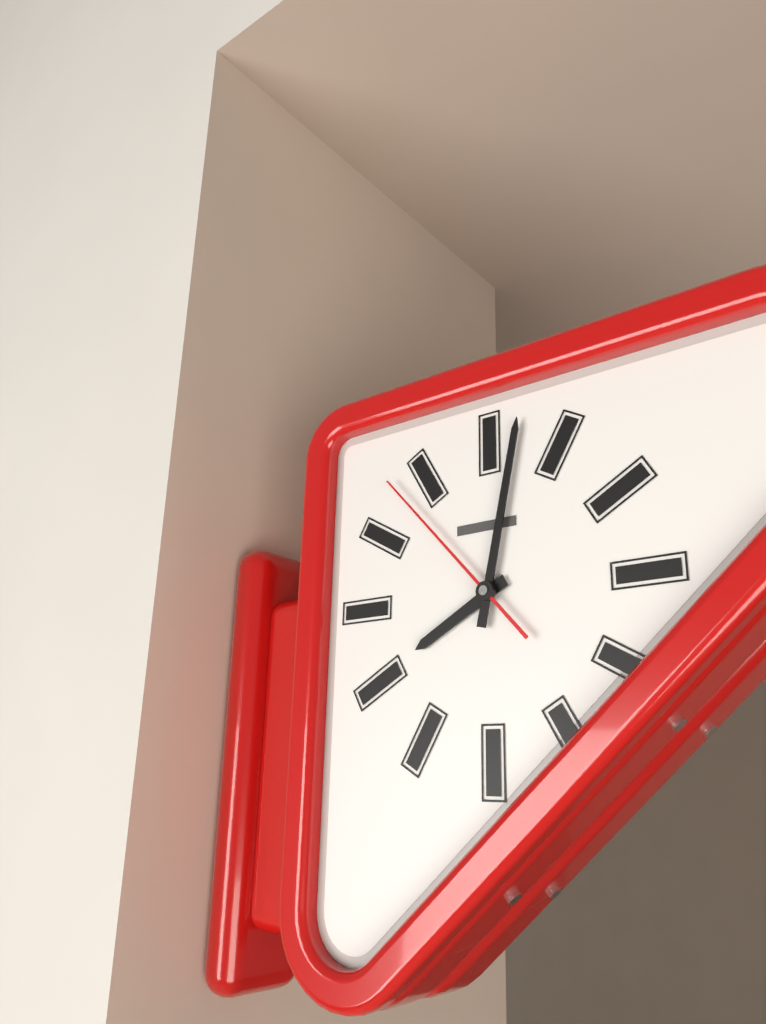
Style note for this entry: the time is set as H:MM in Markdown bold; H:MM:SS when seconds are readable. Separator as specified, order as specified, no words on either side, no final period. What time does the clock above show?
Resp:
**8:02:53**
